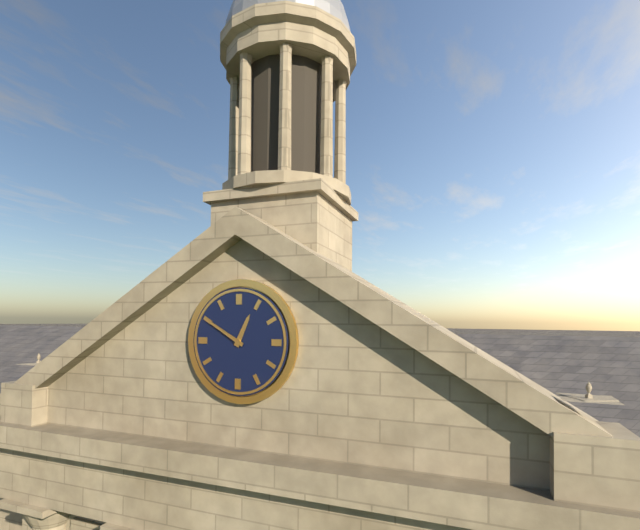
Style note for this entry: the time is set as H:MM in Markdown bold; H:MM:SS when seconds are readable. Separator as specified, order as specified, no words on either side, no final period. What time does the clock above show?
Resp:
**12:50**
